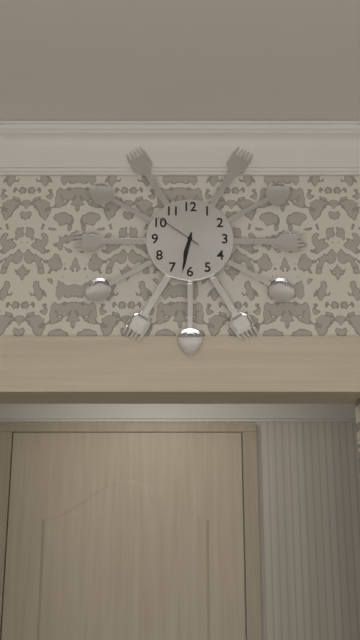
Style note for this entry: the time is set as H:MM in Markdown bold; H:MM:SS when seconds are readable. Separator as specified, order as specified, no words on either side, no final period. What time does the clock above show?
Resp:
**6:32**
